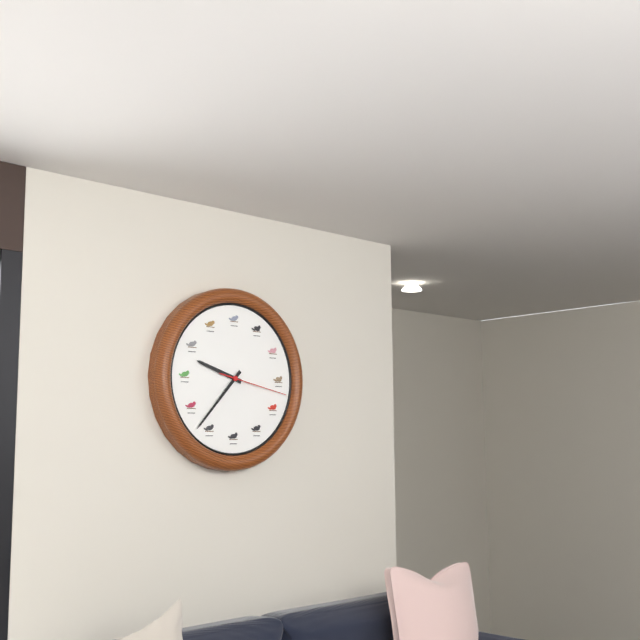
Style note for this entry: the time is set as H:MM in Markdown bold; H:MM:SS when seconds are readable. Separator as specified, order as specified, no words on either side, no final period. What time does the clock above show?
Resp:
**9:37:17**
